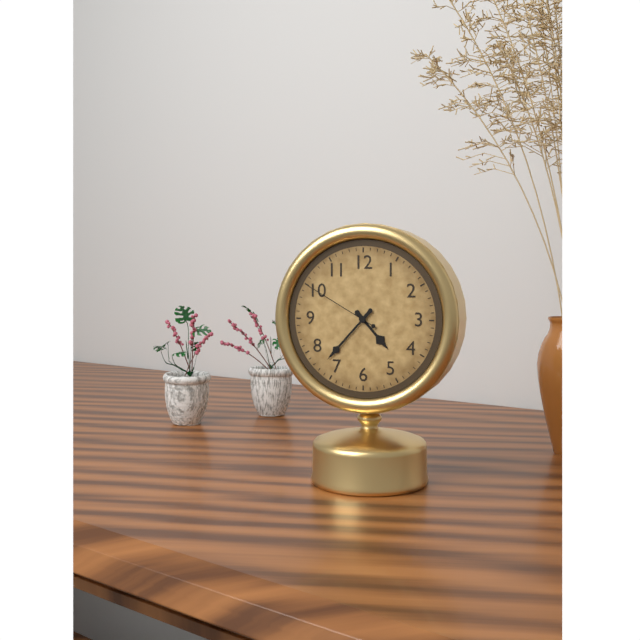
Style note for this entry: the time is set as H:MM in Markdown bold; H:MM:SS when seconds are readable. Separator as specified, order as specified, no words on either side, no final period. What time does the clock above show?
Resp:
**4:37:50**
